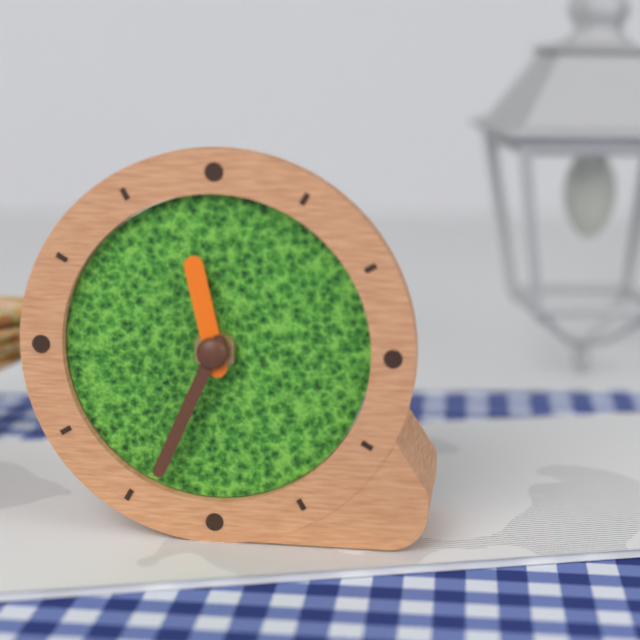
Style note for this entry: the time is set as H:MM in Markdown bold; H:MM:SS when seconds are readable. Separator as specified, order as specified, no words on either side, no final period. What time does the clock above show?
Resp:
**11:34**
